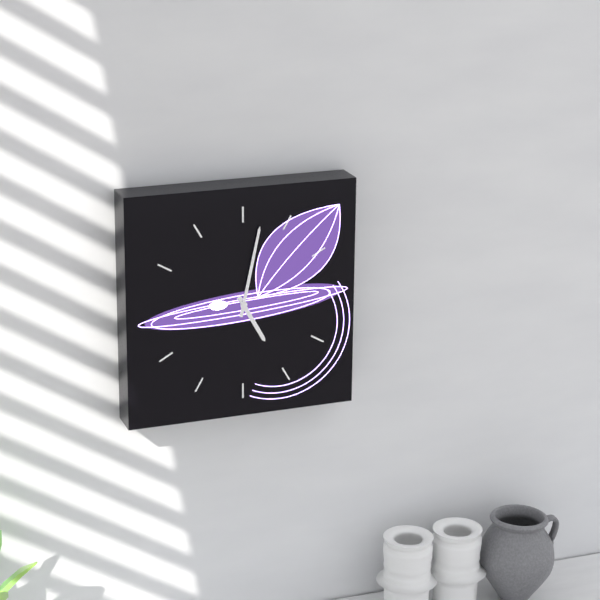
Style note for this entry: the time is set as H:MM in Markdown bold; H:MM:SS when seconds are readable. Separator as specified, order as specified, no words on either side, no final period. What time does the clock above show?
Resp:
**5:02**
